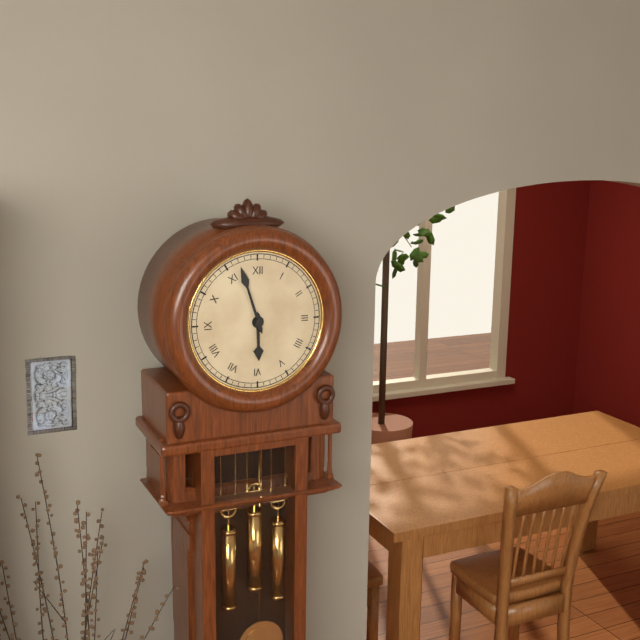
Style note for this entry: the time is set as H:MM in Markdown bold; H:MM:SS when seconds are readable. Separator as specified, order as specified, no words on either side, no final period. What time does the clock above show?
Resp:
**5:57**
